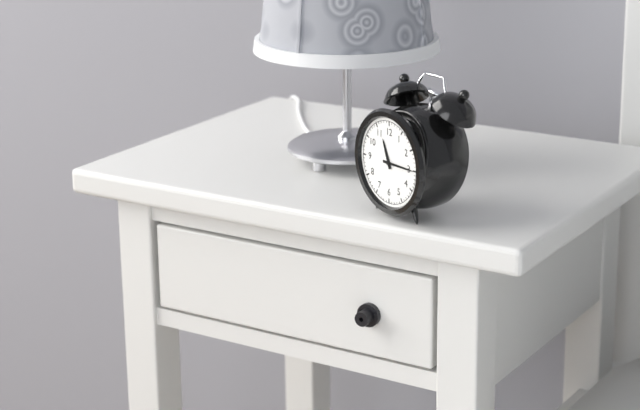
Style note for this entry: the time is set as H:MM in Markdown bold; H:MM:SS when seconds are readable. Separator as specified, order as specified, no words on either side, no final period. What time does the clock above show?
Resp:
**11:15**
